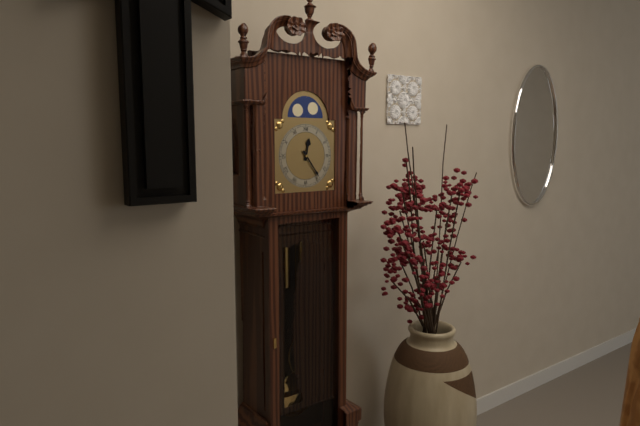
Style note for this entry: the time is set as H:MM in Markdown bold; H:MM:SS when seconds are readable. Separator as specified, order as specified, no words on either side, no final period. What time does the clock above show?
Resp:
**12:24**
